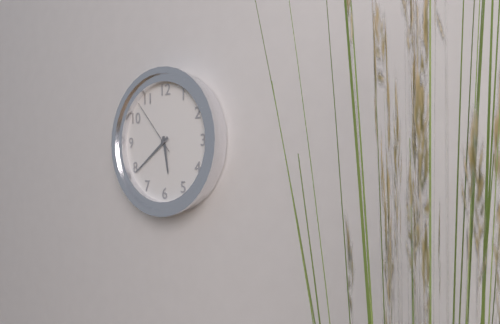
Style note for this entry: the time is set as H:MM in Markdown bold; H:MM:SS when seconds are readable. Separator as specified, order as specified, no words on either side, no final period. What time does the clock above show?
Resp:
**5:39:53**
